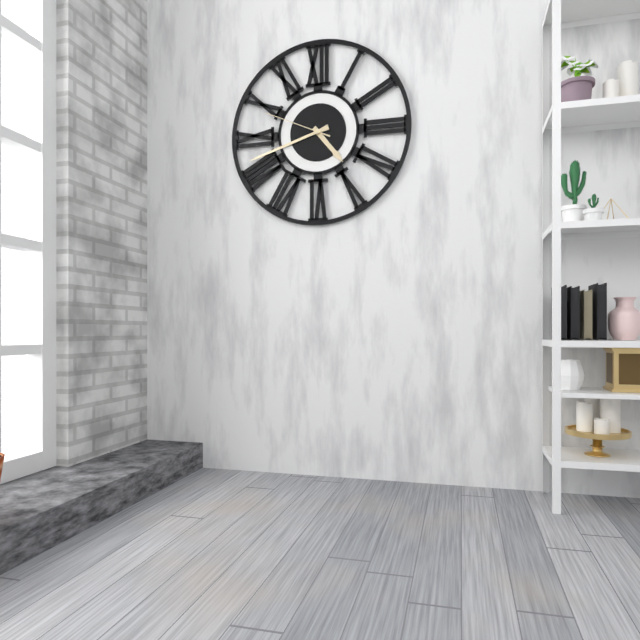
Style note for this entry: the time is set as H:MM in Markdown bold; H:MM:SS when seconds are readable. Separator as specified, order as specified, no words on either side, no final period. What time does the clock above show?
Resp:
**4:42:49**
